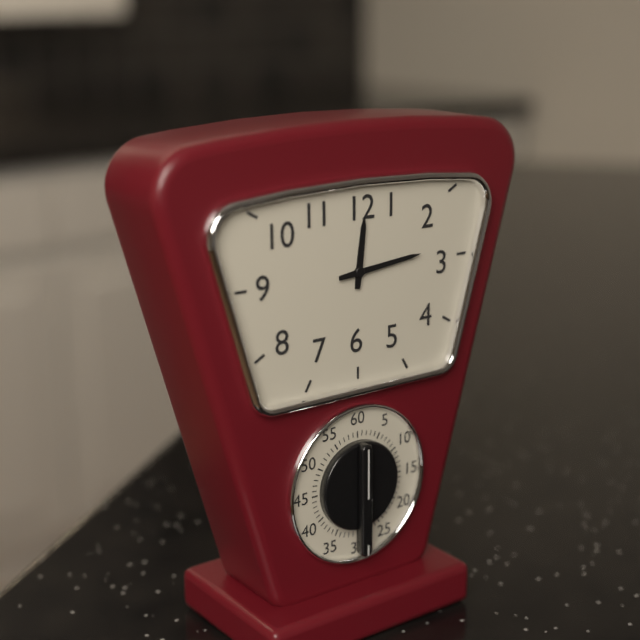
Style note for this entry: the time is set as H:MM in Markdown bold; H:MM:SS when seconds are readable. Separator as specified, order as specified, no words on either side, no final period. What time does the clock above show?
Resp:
**12:14**
